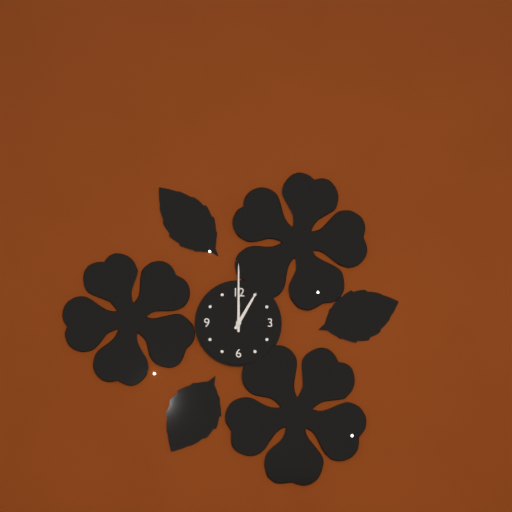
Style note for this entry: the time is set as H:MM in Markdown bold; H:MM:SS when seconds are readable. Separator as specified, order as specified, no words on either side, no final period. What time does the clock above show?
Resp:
**1:00**
